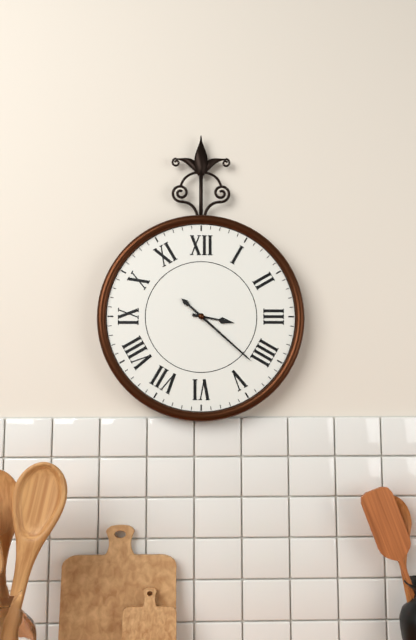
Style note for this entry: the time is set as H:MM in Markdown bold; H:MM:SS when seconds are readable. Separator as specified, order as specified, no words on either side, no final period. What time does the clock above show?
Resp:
**3:22**
